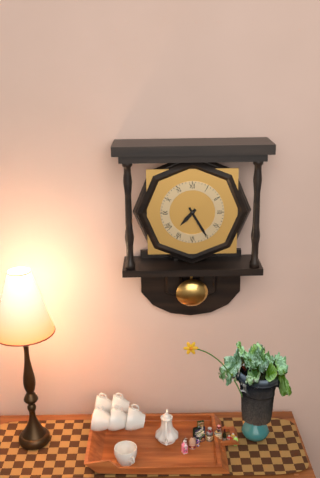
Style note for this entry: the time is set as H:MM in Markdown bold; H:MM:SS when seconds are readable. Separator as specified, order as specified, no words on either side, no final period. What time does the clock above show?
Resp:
**7:25**
